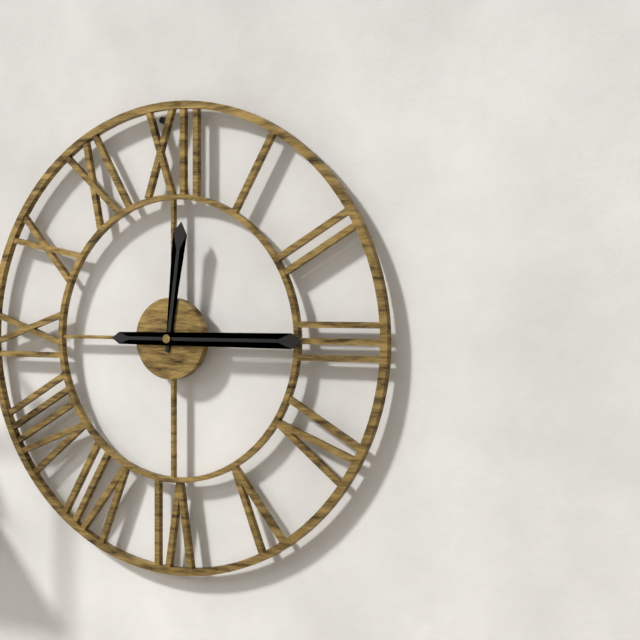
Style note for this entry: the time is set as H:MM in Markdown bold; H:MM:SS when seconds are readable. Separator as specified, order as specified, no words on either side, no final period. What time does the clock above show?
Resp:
**12:15**
